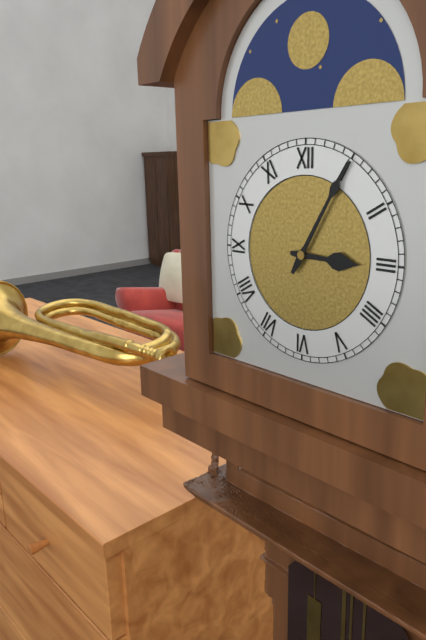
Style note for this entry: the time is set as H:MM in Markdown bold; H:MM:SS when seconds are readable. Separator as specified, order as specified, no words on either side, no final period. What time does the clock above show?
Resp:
**3:05**
